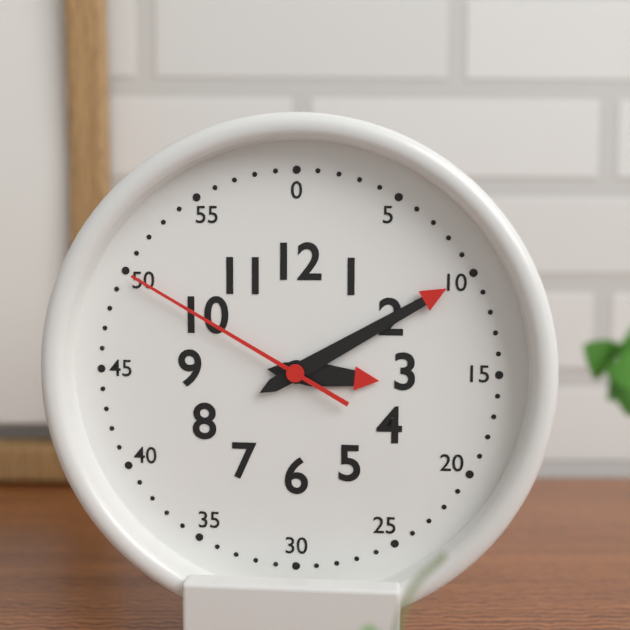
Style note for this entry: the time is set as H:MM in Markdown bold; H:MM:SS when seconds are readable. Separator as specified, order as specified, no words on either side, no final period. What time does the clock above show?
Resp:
**3:10:50**
